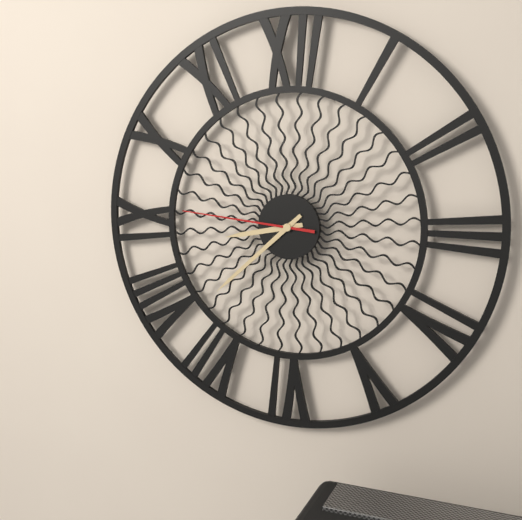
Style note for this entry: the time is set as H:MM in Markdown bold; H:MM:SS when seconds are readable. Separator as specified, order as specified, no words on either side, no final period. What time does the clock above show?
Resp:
**8:38:46**
